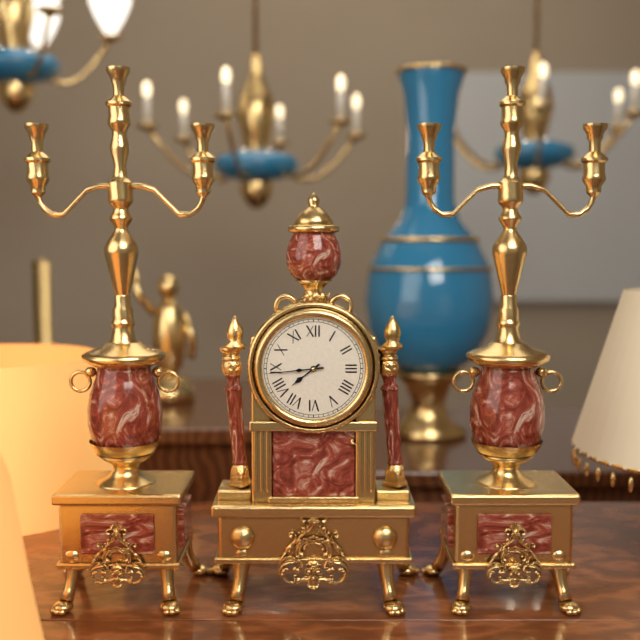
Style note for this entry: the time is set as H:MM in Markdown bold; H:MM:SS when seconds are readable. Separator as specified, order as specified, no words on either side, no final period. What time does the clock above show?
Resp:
**7:44**
